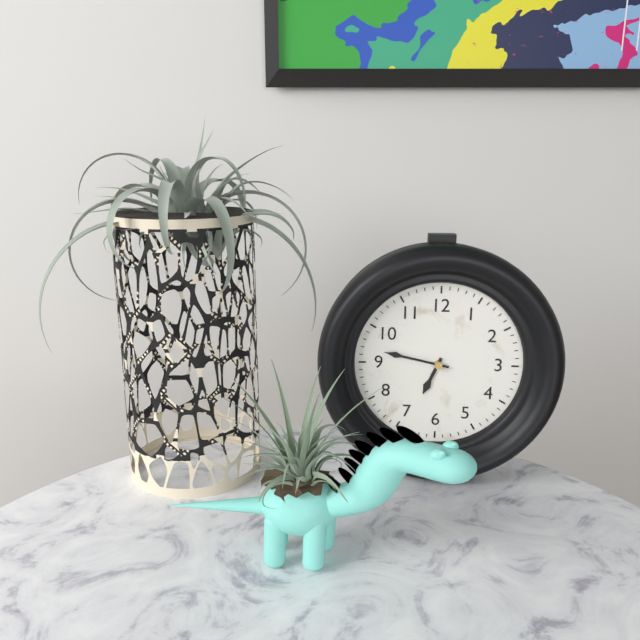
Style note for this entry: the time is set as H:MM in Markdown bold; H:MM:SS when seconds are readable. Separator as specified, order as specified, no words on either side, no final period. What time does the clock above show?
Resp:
**6:47**
